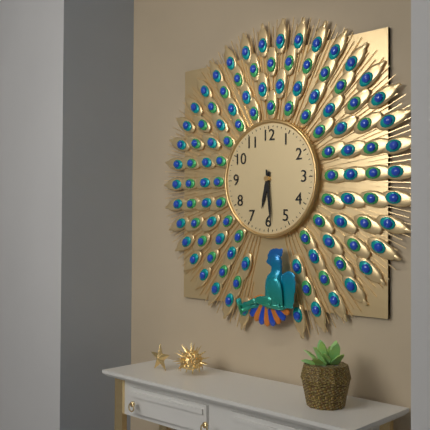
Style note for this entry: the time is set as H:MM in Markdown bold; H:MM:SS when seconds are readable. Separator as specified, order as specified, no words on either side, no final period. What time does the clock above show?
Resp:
**6:29**
